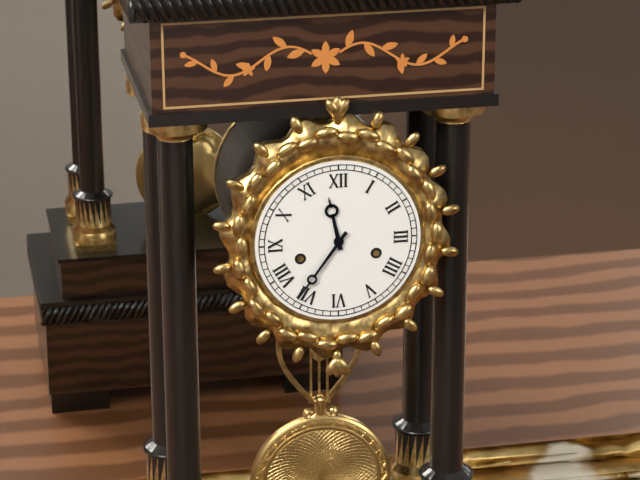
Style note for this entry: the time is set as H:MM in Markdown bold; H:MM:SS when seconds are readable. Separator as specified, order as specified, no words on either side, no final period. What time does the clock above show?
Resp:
**11:36**
